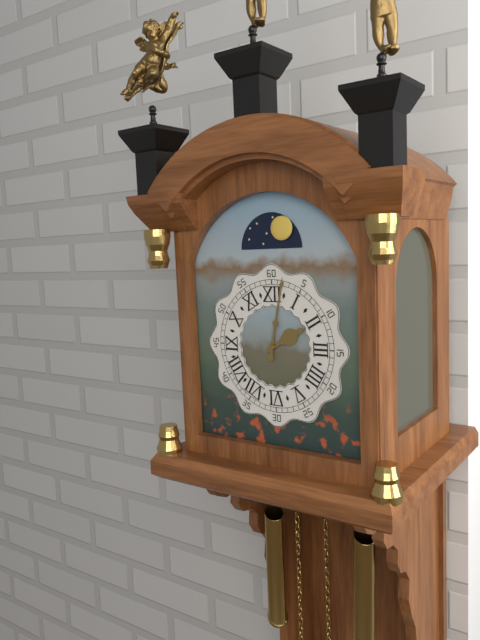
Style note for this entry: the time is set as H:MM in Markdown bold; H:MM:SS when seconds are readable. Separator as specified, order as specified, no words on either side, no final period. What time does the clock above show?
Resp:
**2:02**
